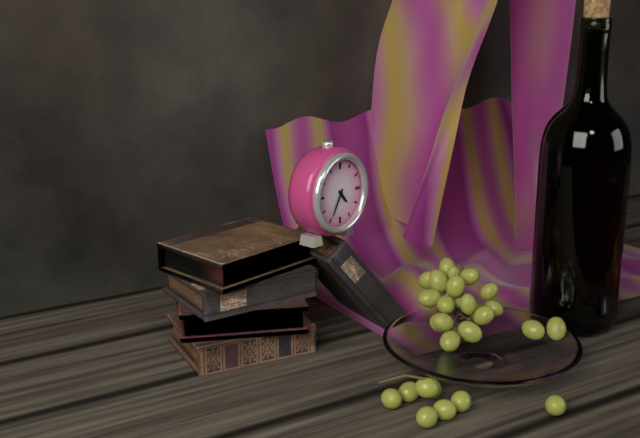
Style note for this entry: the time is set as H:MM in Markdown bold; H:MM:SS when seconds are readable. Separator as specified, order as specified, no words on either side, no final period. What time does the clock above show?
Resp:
**4:35**
